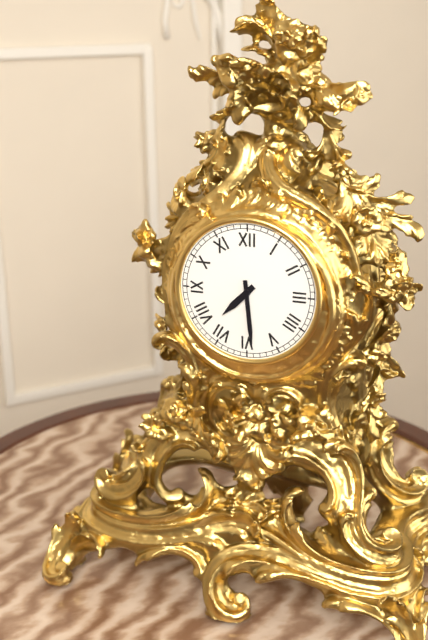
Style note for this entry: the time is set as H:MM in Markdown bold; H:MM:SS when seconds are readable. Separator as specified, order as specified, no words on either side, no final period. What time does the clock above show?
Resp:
**7:29**
